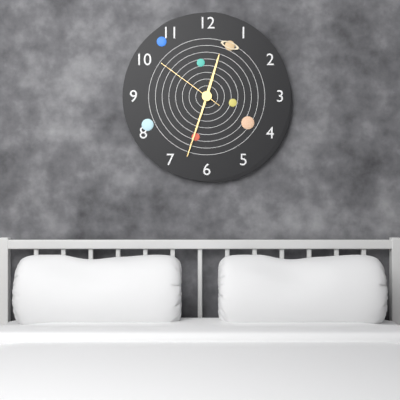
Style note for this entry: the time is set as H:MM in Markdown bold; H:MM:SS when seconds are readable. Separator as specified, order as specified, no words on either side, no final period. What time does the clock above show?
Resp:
**12:33:51**
